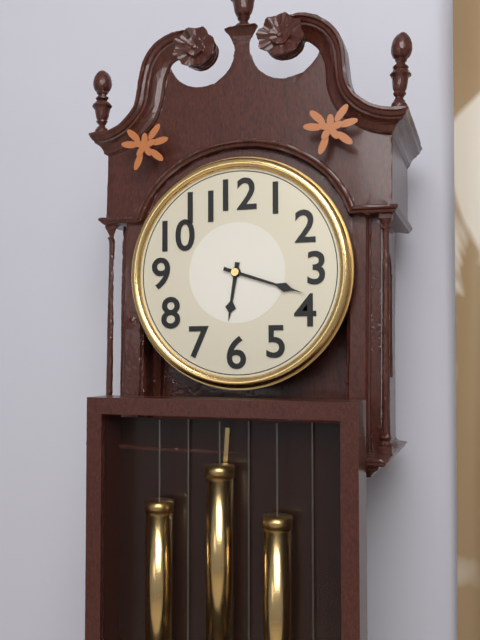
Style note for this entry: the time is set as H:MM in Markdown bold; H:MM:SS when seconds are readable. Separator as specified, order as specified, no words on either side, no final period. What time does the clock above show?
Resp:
**6:18**
